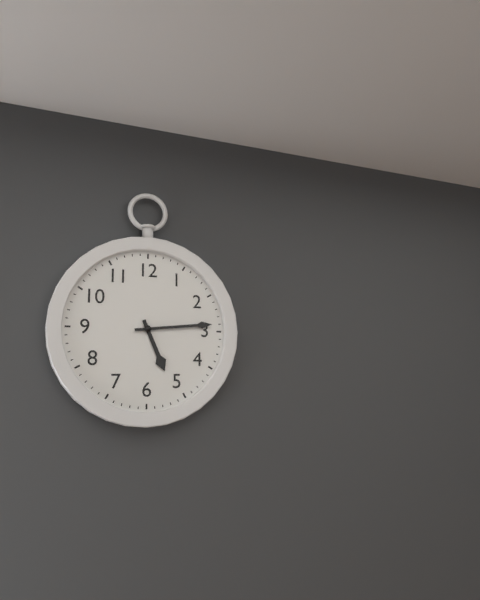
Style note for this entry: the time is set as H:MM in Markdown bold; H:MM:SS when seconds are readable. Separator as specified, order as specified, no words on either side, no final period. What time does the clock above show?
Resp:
**5:14**
